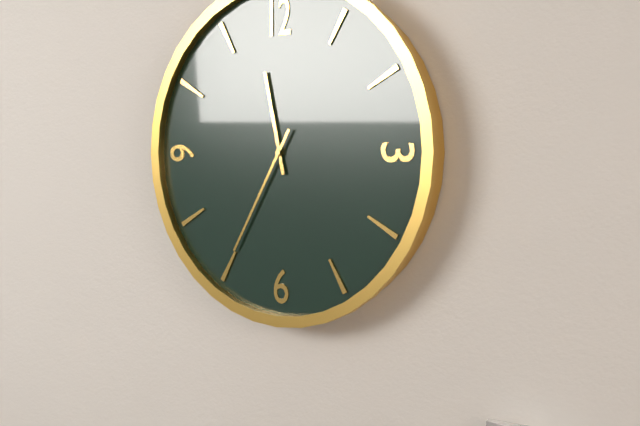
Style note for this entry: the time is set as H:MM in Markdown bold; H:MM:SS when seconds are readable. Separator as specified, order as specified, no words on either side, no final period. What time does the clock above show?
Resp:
**11:35**
